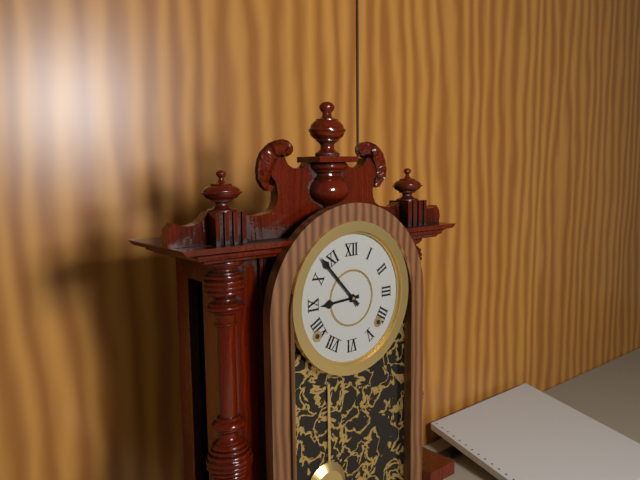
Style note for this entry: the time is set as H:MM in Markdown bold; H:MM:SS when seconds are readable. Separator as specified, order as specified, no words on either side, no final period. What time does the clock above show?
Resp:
**8:53**
